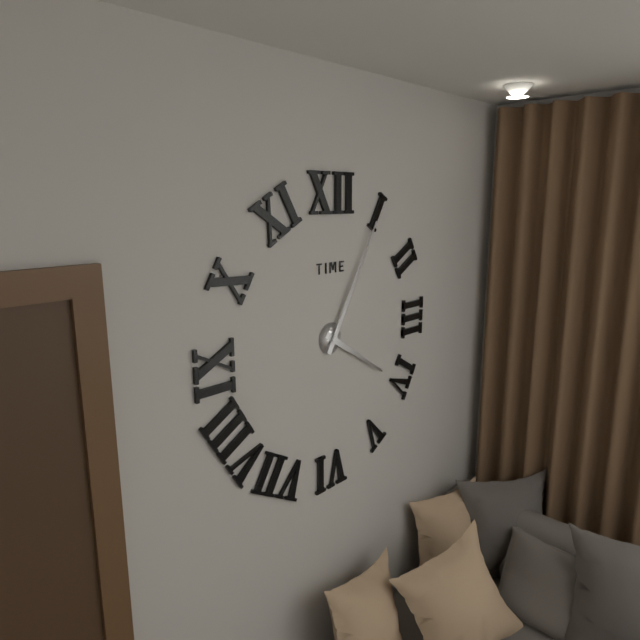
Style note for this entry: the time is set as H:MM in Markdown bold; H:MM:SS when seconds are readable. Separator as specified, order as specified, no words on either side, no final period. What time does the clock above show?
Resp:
**4:05**
